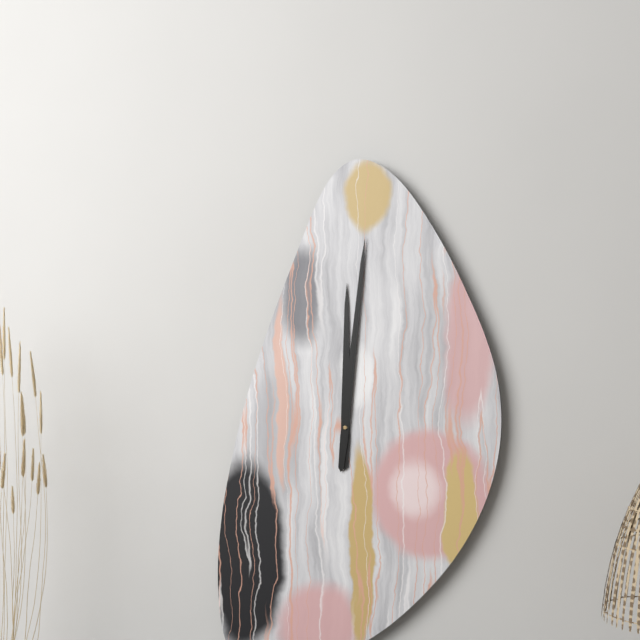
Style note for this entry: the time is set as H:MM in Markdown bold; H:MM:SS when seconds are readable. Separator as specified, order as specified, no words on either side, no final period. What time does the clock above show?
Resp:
**12:01**
